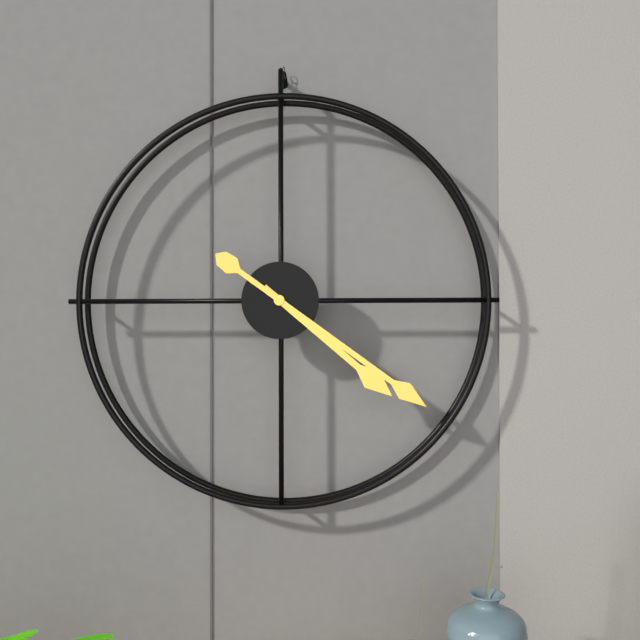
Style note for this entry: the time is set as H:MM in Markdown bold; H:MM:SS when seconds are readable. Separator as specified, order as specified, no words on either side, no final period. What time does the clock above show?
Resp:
**4:21**
